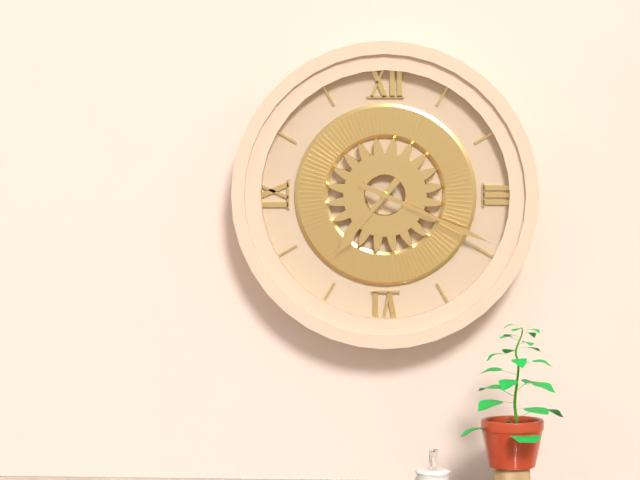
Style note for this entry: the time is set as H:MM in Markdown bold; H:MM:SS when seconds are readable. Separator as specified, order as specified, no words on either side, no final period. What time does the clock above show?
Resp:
**7:19**
